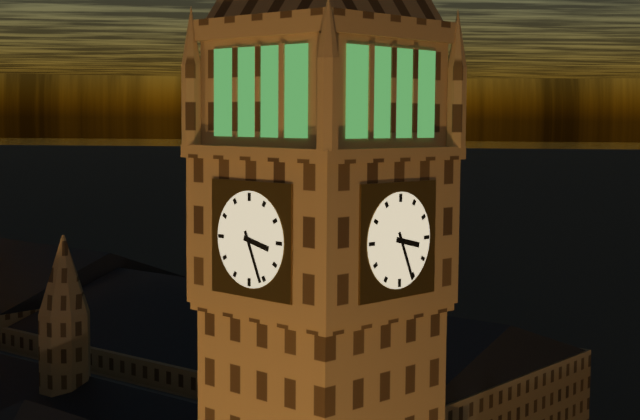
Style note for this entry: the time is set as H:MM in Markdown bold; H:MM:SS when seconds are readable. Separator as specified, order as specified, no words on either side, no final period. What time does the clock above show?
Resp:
**3:26**
